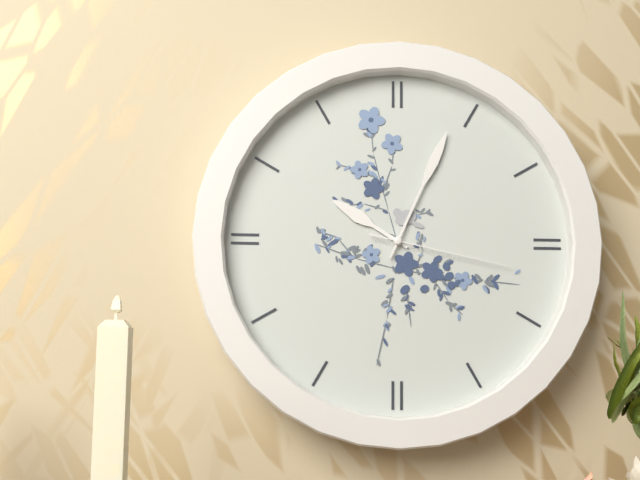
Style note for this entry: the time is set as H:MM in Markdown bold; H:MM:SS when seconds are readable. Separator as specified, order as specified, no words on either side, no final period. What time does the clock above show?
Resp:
**10:04:17**
